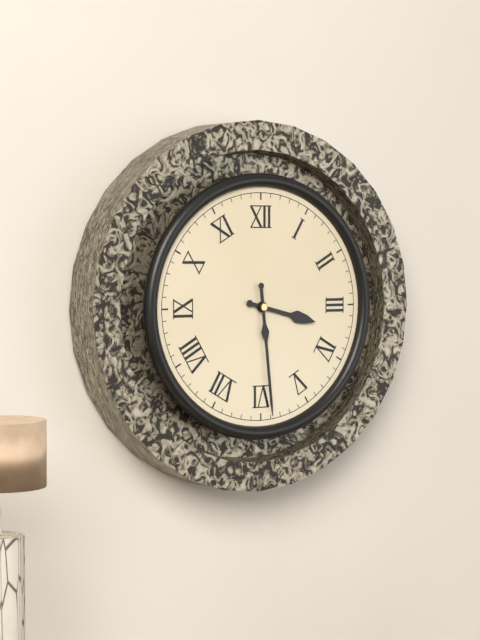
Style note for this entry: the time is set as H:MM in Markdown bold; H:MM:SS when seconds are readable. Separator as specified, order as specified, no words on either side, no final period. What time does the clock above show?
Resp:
**3:29**
